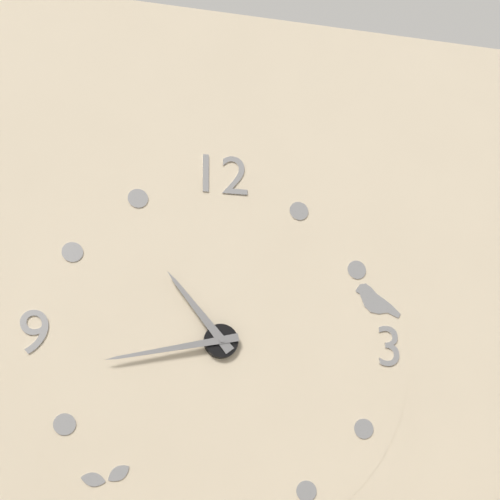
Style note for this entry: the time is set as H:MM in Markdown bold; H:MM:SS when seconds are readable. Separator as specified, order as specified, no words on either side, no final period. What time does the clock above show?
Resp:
**10:43**
